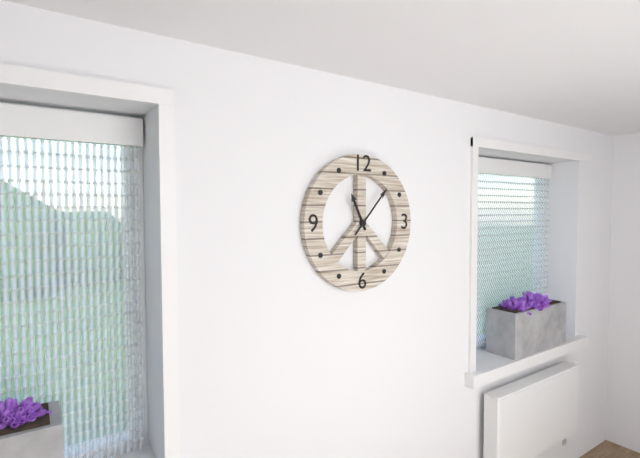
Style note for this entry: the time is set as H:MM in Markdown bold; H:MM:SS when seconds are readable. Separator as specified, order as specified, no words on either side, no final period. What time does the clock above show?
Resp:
**11:07**
